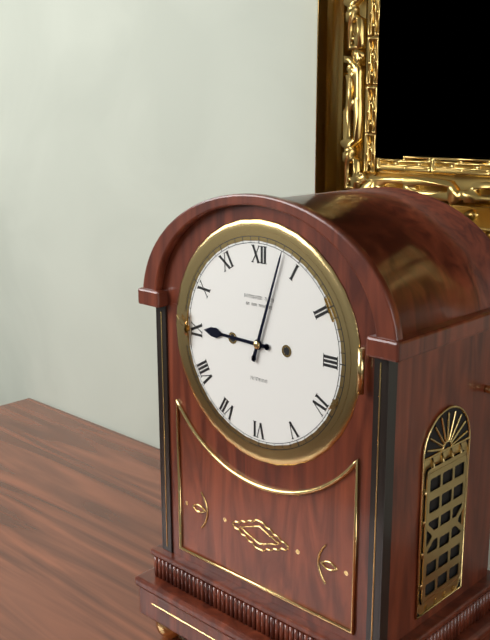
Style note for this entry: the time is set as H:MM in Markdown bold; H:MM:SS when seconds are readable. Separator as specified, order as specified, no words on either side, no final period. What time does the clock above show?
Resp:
**9:03**
